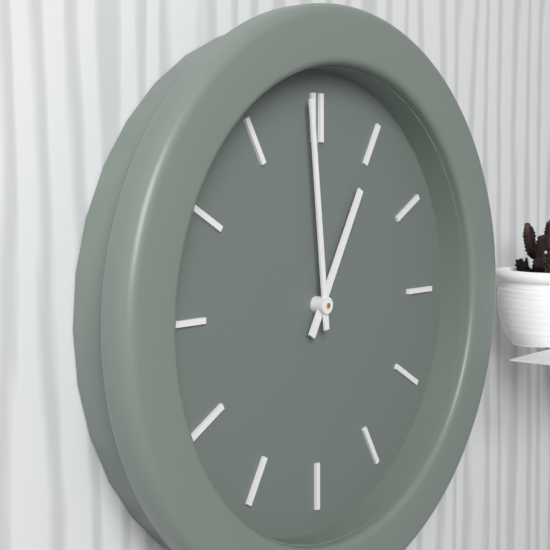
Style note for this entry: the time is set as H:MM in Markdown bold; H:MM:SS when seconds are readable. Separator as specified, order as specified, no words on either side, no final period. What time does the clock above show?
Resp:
**12:59**
